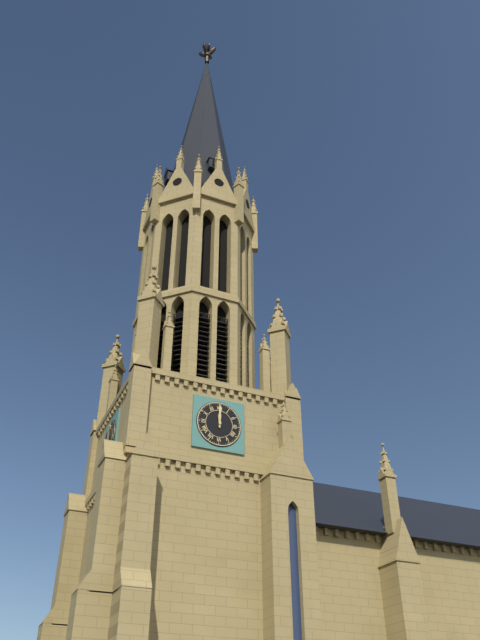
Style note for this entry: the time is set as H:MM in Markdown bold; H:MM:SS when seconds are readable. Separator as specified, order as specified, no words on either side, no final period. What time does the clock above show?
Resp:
**12:00**
